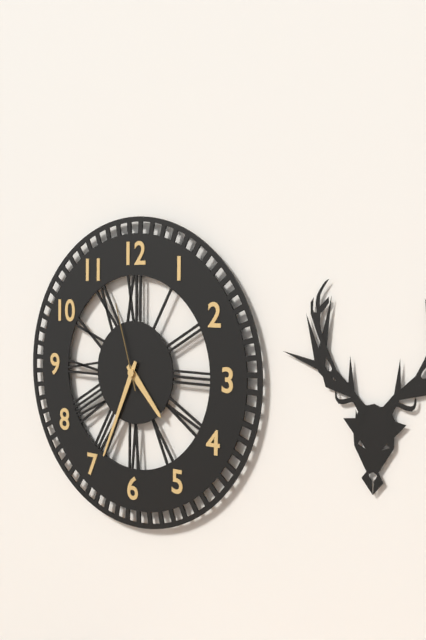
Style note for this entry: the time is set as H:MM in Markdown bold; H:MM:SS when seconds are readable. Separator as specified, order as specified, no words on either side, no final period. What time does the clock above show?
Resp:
**4:34:57**
